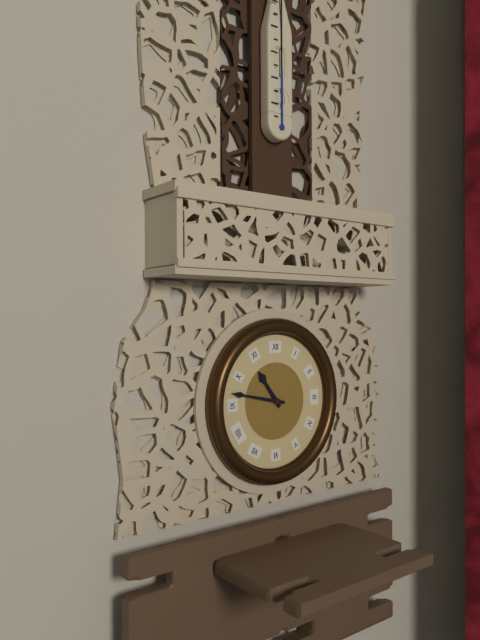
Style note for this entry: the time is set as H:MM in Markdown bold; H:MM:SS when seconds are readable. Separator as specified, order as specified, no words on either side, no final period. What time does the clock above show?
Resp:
**10:47**
